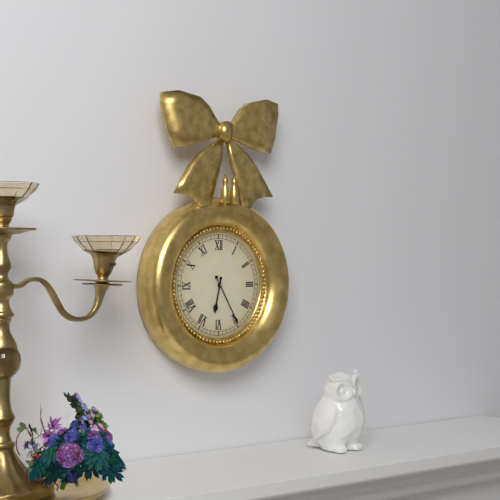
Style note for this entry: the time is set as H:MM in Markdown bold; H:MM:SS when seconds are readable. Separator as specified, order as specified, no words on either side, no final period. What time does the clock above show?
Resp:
**6:25**
